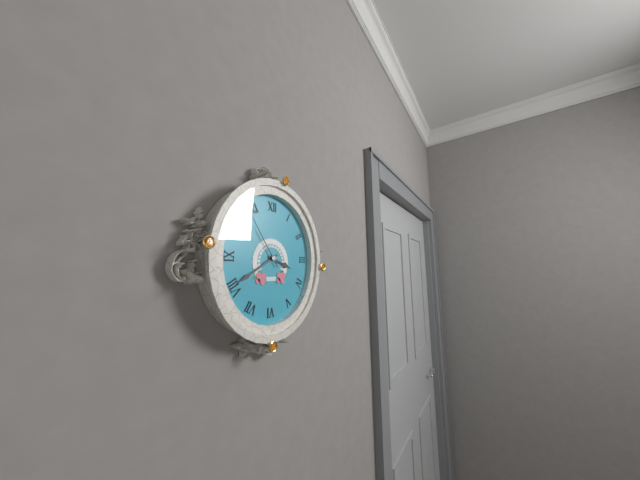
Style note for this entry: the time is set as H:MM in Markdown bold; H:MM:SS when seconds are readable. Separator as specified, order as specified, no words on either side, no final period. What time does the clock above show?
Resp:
**3:40:54**
